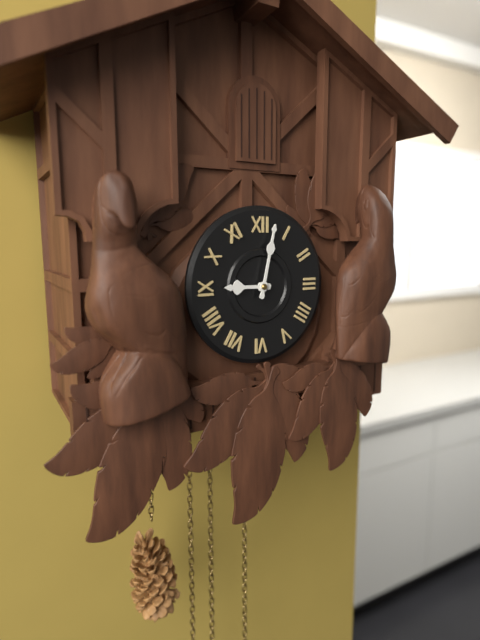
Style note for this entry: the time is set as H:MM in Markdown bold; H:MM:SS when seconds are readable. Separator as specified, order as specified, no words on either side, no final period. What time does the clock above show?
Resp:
**9:02**
